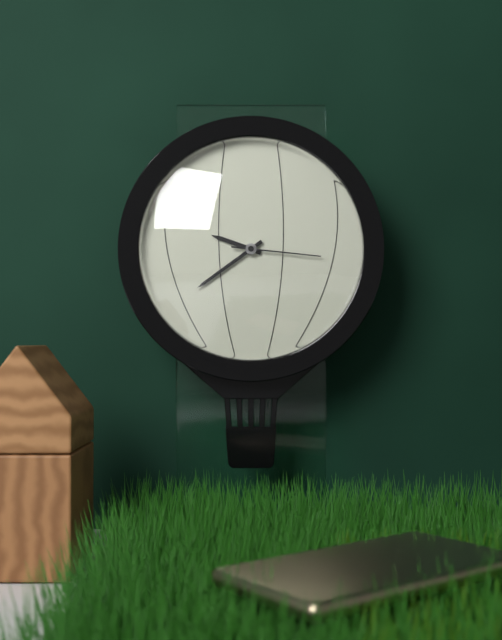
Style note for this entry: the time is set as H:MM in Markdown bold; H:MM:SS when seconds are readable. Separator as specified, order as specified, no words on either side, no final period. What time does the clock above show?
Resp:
**9:39:16**
